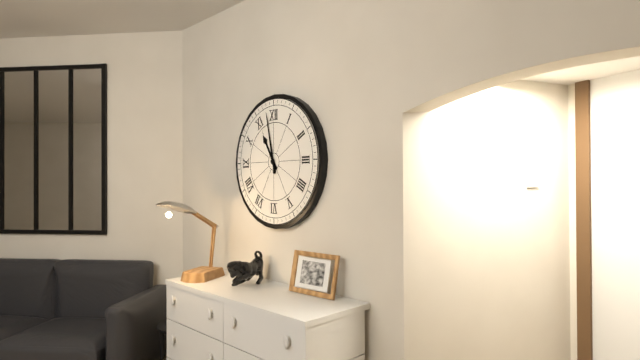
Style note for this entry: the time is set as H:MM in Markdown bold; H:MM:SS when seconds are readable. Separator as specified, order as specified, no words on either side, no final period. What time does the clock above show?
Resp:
**10:58**
